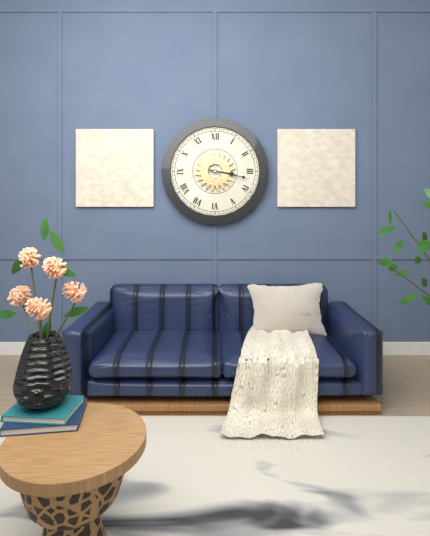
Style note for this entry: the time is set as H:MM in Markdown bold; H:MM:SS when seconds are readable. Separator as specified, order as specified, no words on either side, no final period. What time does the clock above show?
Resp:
**3:17**
